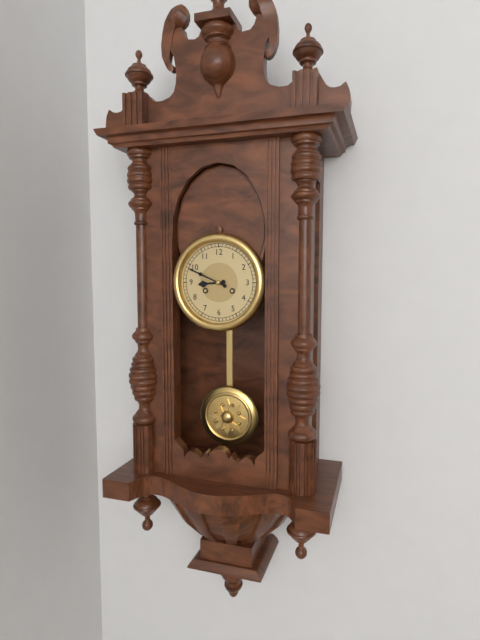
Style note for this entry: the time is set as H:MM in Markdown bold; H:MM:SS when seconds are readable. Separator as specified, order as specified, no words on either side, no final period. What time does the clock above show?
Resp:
**8:49**
